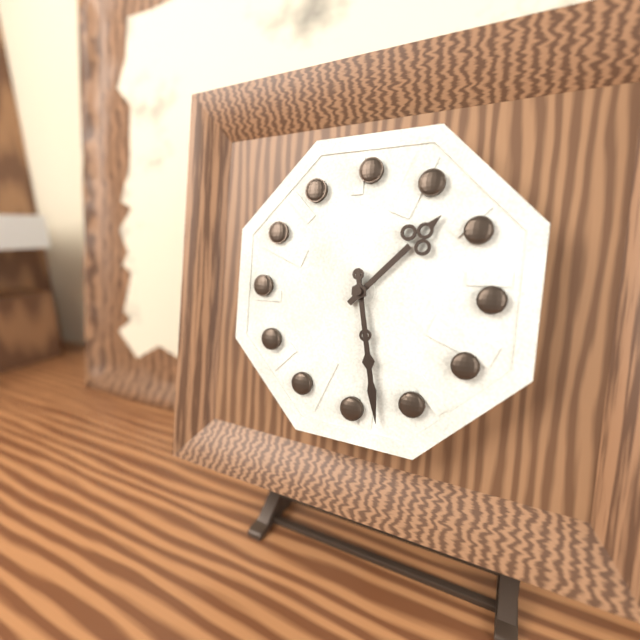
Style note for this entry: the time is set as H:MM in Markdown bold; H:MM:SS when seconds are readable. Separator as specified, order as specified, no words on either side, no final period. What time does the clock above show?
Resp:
**1:28**
